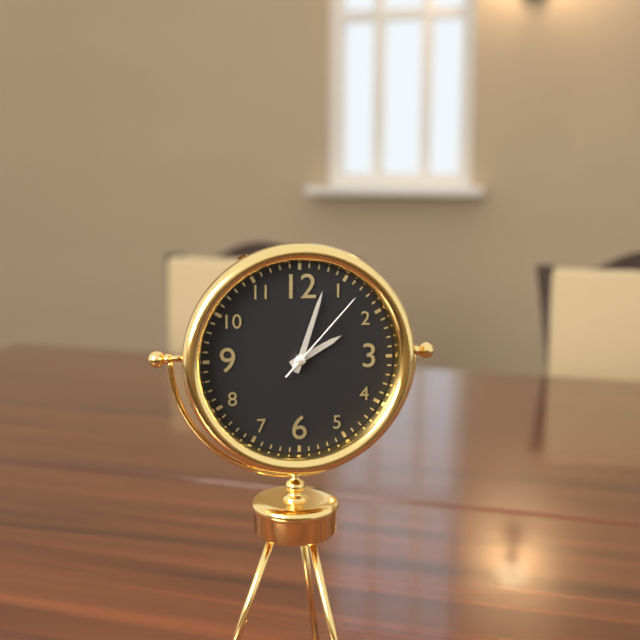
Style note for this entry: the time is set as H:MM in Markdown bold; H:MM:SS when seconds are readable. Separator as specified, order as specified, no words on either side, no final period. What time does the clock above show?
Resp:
**2:03:07**
